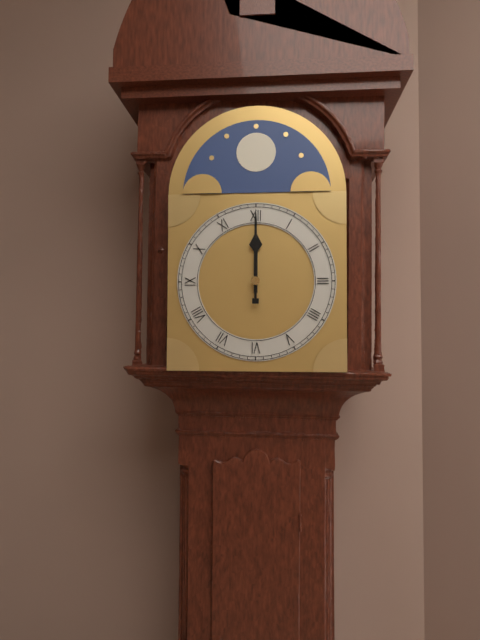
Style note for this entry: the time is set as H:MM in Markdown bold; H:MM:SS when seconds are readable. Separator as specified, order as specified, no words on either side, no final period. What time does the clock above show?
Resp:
**12:00**
